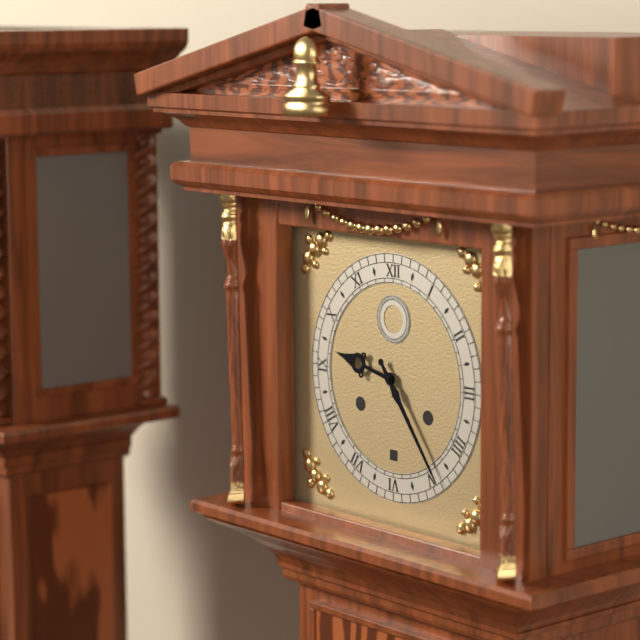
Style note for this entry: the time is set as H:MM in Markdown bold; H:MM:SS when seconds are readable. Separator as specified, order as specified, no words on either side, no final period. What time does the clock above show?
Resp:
**9:24**
